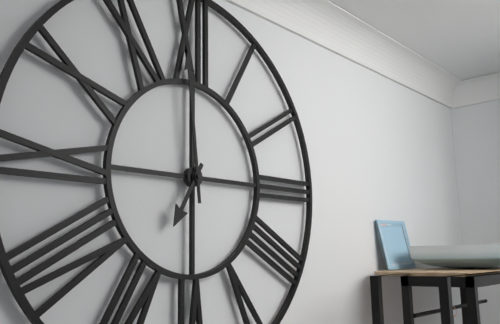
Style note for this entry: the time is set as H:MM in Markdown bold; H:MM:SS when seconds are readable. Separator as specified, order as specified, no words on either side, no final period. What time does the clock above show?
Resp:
**6:59**
